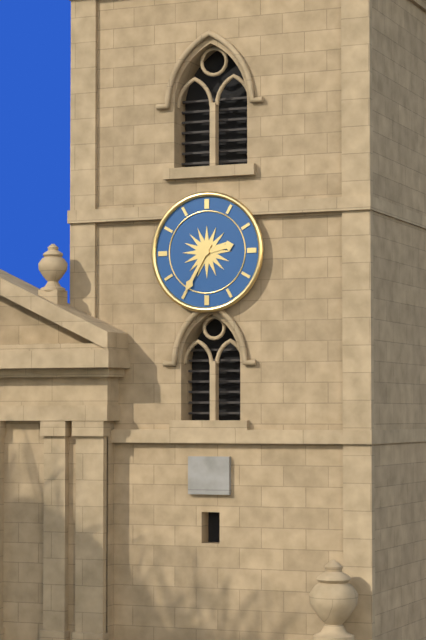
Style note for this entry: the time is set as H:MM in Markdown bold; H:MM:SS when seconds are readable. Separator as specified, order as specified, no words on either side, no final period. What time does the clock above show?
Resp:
**2:35**
